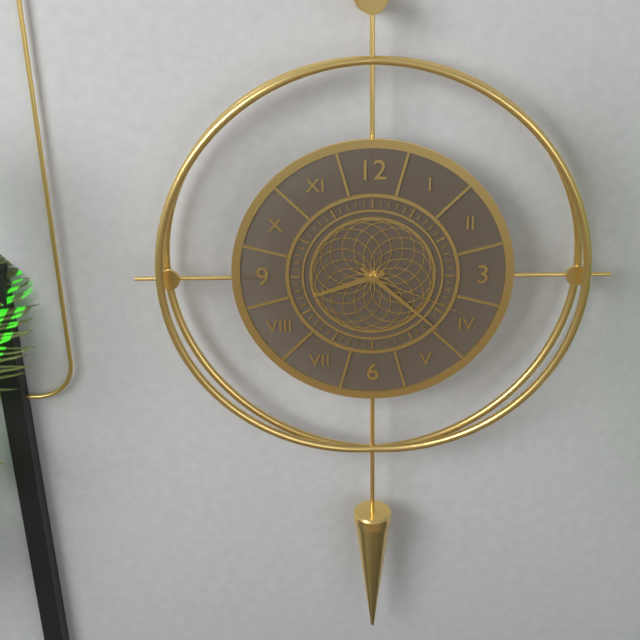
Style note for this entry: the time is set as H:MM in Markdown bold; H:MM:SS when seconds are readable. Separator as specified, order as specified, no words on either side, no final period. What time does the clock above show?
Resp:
**8:22:19**
